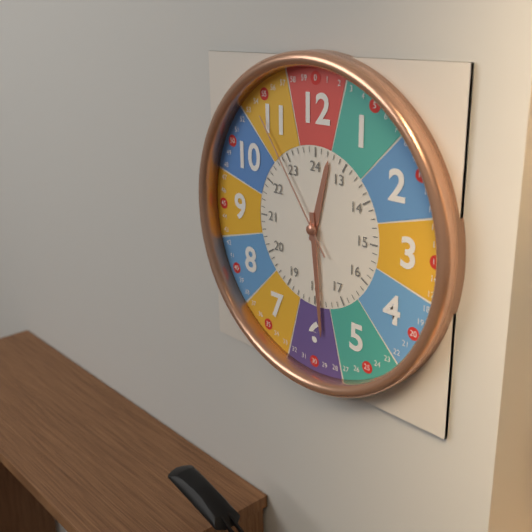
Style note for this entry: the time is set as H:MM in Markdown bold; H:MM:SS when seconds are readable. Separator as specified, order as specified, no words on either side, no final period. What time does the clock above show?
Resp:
**12:29:54**
